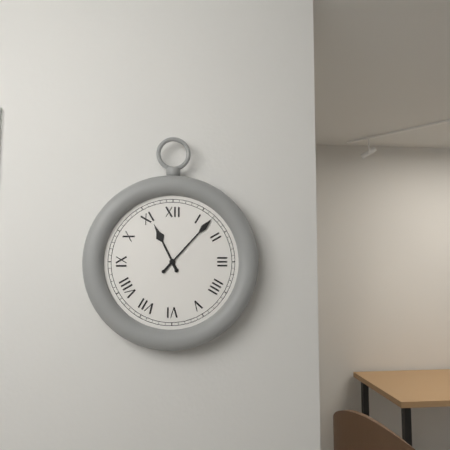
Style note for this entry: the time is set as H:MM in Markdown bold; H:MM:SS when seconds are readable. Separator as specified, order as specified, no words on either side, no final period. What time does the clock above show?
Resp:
**11:07**
